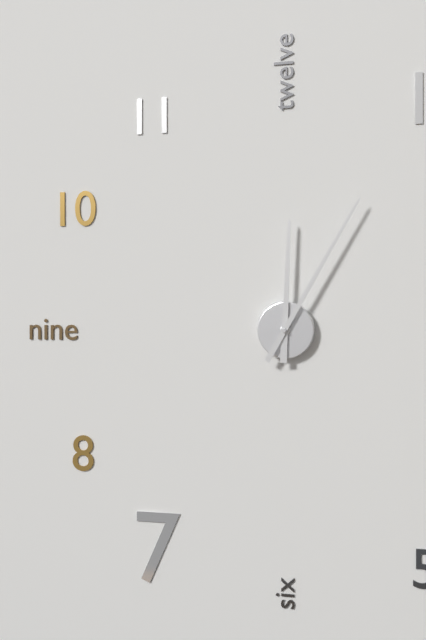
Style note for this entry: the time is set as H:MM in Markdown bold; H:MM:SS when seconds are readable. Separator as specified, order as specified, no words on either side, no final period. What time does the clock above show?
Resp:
**12:05**
